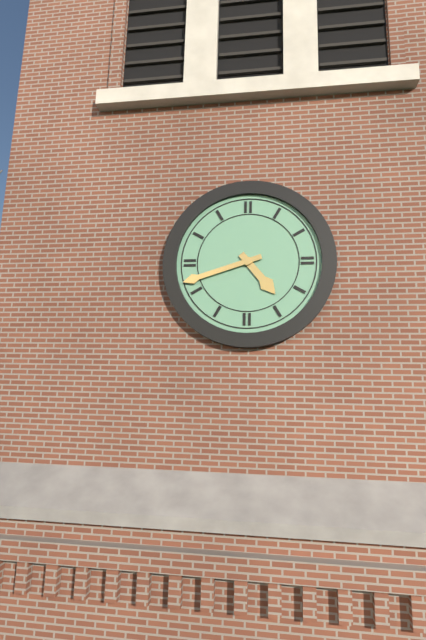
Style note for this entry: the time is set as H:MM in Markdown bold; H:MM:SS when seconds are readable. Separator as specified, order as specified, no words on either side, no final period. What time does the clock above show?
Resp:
**4:42**
